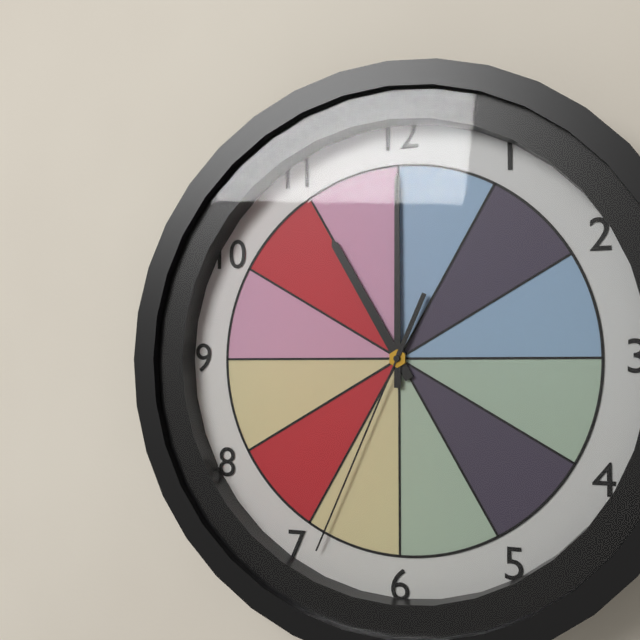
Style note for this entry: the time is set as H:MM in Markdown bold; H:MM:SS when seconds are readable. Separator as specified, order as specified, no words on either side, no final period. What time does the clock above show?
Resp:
**11:00:34**
